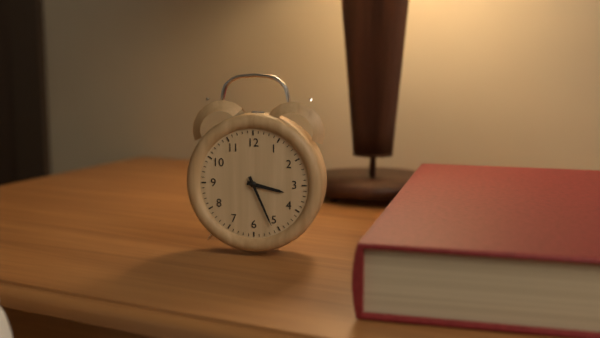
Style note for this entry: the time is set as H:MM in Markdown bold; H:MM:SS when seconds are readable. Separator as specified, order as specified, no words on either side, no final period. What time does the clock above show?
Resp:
**3:26**
